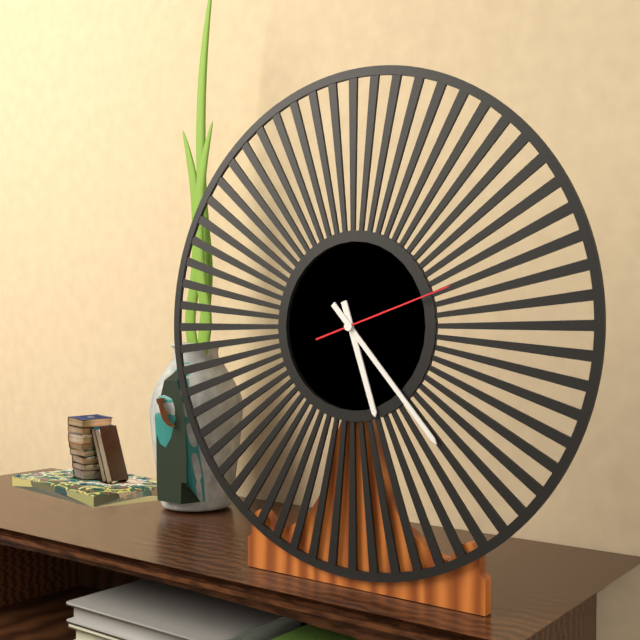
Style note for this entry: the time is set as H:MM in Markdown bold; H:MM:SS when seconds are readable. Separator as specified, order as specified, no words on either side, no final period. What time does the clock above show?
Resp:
**5:23:12**
